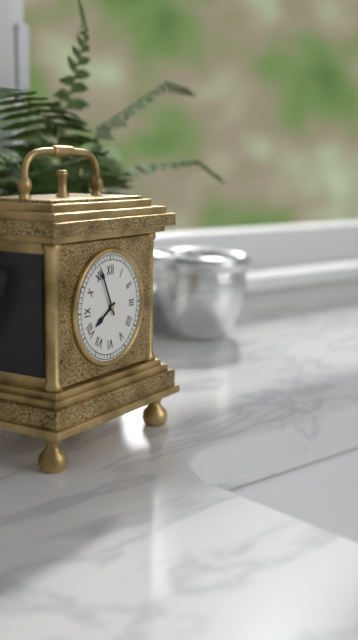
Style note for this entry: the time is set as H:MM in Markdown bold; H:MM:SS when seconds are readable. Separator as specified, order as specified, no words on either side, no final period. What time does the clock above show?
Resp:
**7:56**
